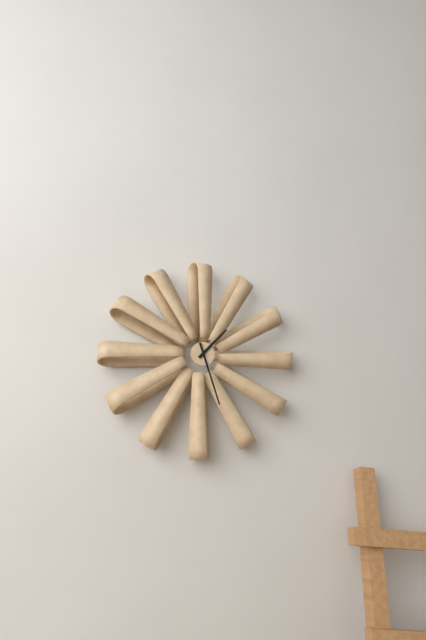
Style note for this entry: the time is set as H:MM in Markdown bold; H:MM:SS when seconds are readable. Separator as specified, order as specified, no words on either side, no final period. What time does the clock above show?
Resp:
**1:27**
